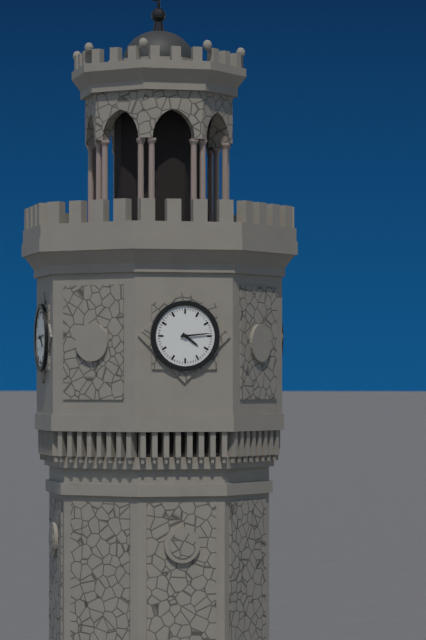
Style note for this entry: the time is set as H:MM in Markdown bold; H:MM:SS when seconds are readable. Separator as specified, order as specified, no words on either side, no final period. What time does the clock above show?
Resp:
**4:14**
